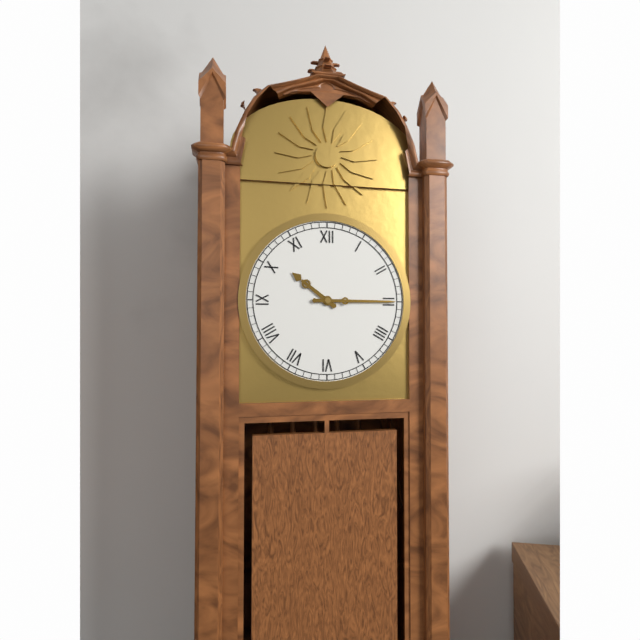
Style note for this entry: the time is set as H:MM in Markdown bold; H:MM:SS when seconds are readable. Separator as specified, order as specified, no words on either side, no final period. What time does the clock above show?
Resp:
**10:15**
